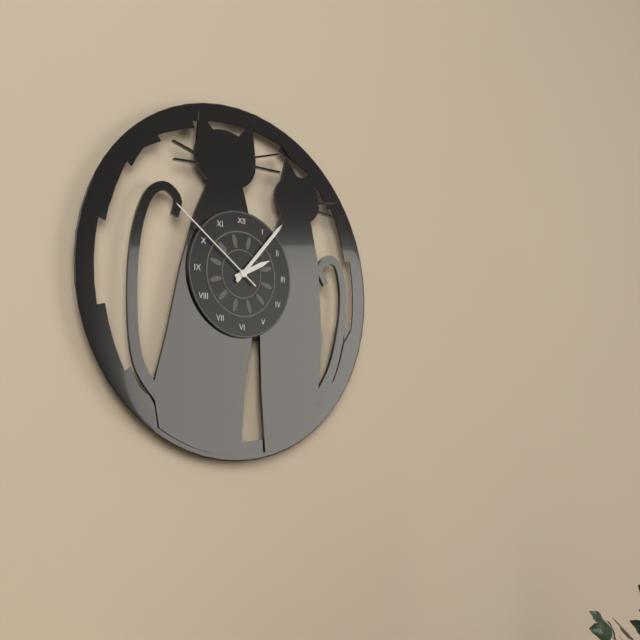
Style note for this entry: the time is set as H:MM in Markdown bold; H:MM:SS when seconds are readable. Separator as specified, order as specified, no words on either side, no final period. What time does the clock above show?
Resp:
**2:07:51**
